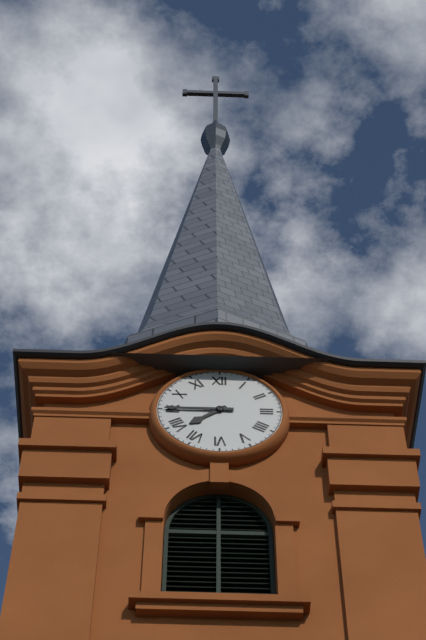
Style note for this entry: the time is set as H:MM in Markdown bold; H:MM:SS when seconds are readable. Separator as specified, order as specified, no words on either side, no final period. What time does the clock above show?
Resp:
**7:45**
